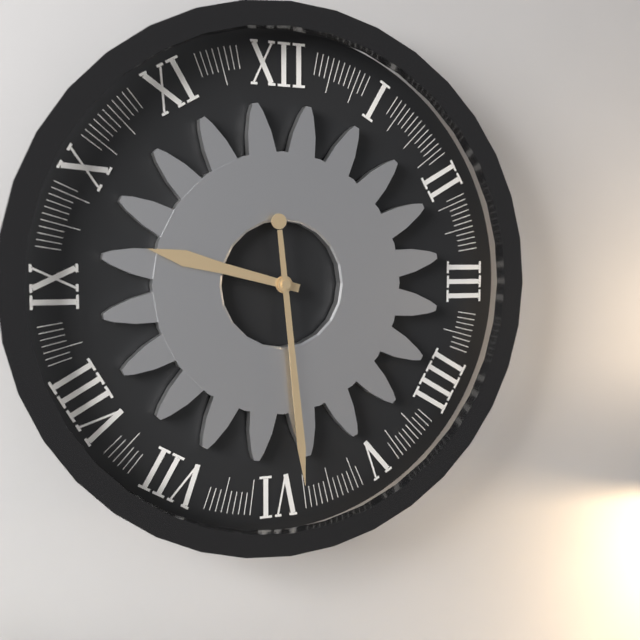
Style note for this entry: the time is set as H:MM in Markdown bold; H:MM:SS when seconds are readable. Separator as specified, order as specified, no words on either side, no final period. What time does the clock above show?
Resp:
**9:29**
